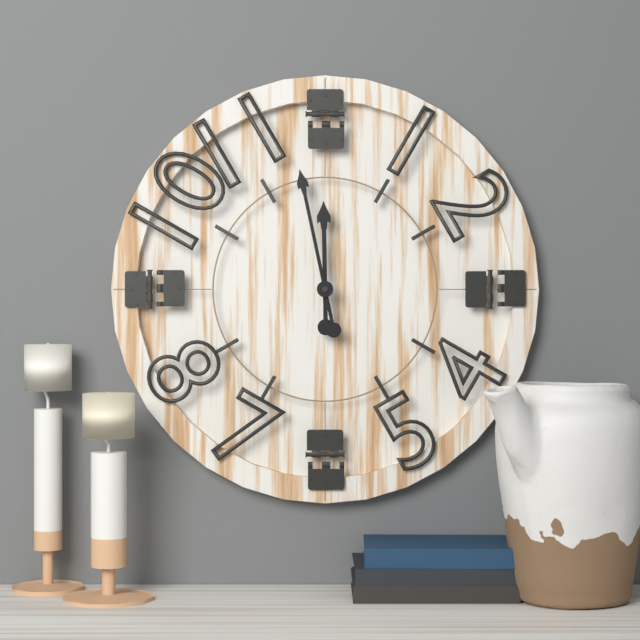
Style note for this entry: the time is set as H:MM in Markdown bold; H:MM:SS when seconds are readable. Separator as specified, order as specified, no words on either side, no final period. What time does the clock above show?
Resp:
**11:58**
